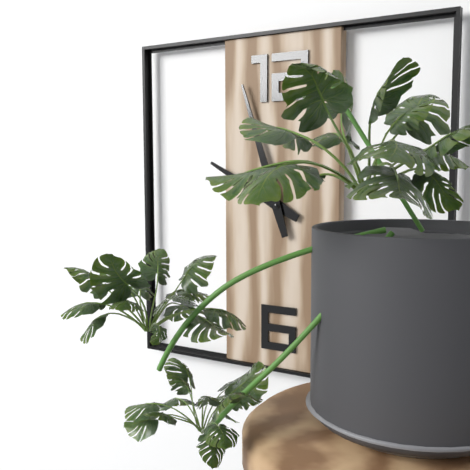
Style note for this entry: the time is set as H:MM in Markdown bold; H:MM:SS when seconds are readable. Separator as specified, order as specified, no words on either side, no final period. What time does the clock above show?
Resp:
**9:57**
